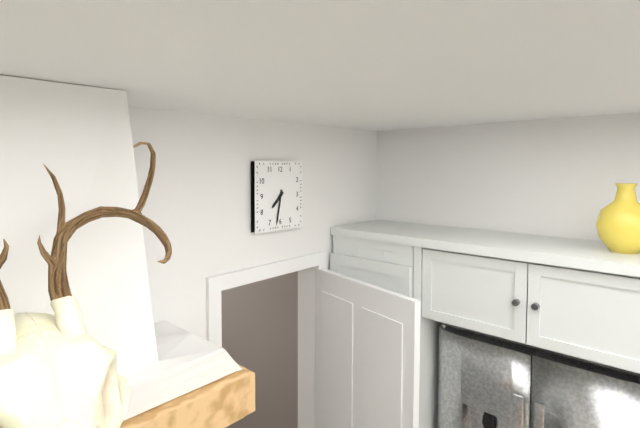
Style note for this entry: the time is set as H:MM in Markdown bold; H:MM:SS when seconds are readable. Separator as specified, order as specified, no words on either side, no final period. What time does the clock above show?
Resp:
**7:32**
